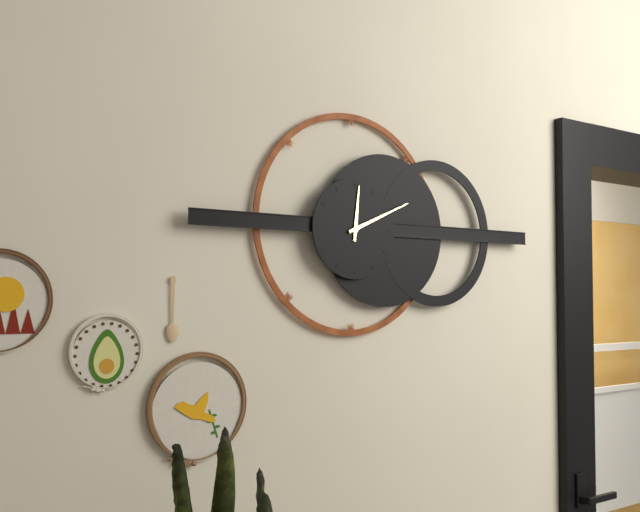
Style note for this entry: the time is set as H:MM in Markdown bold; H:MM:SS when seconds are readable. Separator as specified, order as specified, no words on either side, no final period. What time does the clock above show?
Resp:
**12:11**
